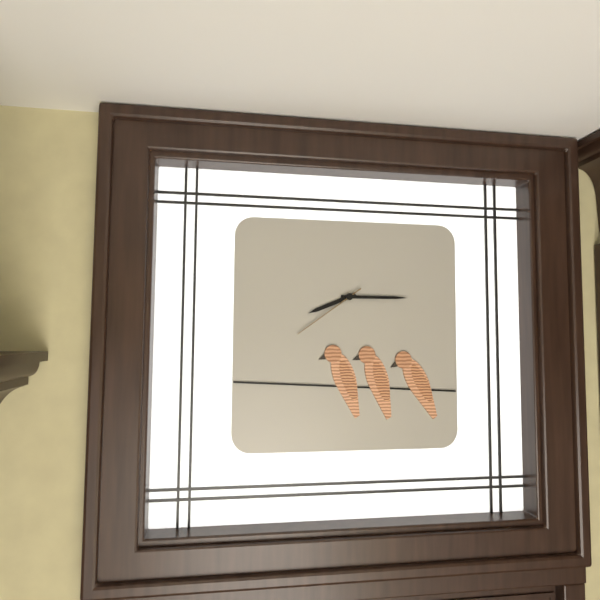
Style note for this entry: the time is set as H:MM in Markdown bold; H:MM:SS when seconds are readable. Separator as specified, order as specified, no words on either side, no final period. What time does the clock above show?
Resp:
**8:15:39**
